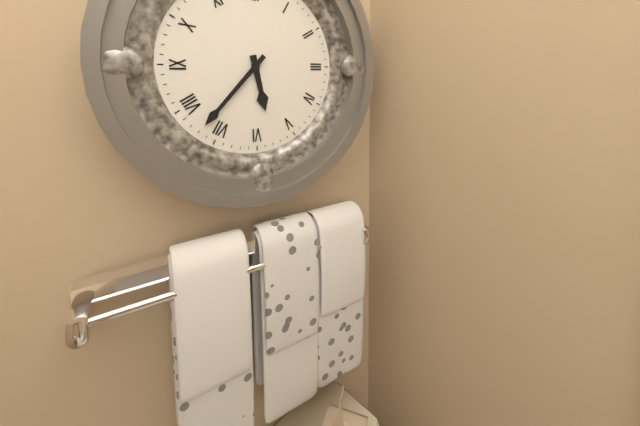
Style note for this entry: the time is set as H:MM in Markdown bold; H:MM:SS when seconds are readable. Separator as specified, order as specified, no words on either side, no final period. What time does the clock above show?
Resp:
**5:37**
